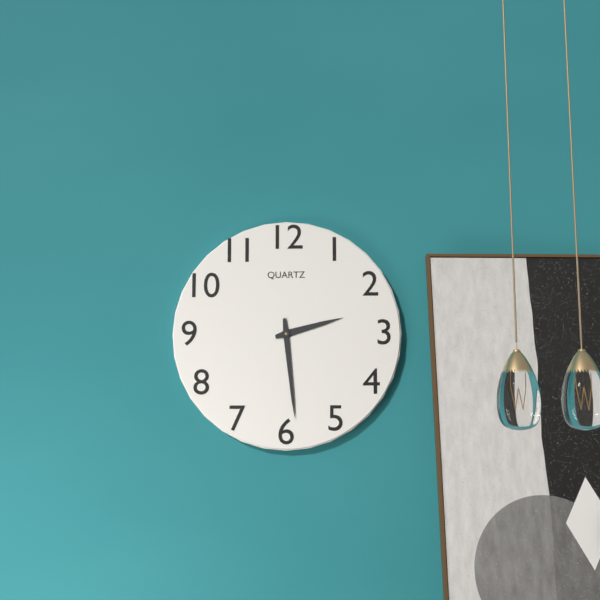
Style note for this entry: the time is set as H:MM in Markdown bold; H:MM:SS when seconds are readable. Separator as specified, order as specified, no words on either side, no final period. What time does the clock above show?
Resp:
**2:29**
